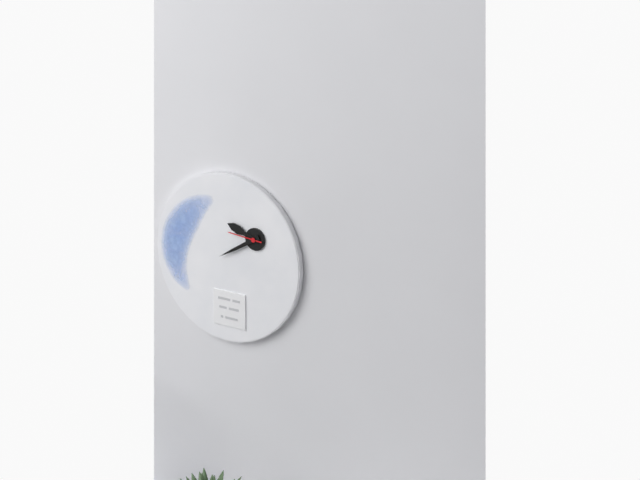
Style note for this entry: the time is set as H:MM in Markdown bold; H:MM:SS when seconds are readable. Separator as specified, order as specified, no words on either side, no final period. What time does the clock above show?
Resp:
**9:40**
